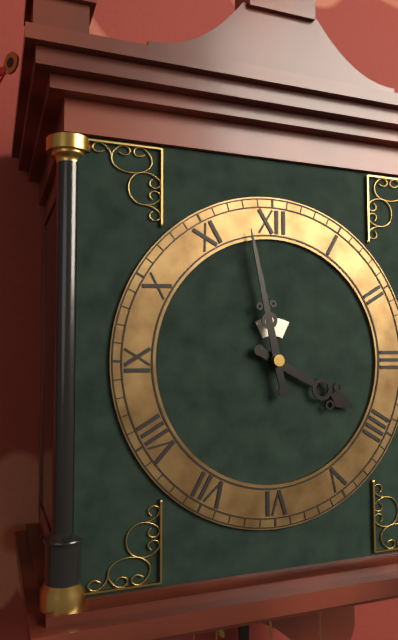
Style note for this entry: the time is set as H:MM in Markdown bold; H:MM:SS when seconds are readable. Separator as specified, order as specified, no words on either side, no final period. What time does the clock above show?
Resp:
**3:58**
